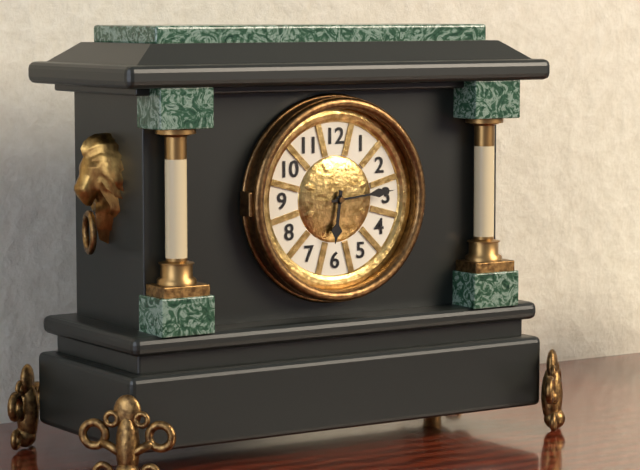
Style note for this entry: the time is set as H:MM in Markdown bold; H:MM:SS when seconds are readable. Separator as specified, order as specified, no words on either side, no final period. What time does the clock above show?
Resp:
**6:14**
